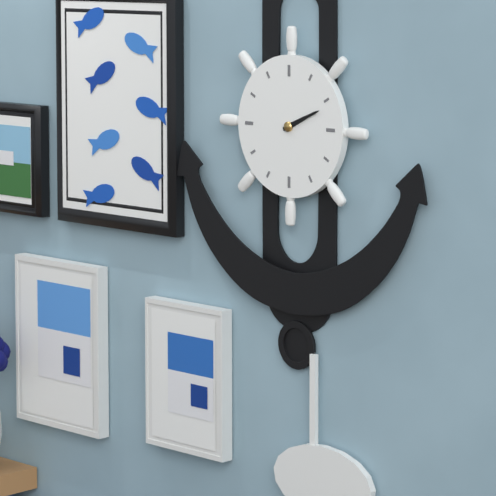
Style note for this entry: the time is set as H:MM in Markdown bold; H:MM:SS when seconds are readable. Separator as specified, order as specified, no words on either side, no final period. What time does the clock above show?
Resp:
**2:11**
